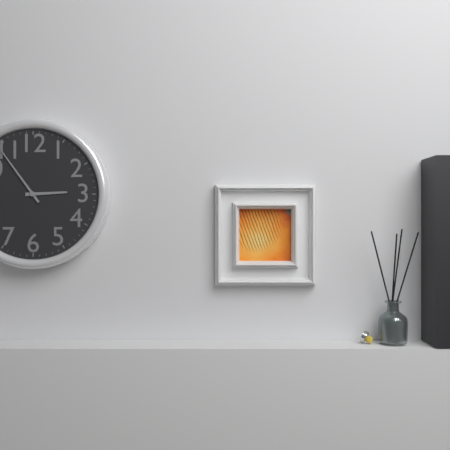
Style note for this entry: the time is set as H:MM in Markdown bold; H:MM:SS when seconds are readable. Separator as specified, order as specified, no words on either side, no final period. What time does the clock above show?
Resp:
**2:54**
